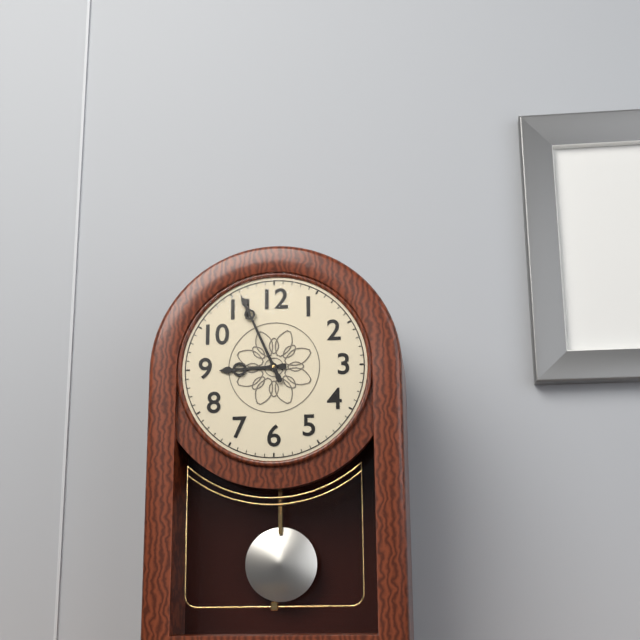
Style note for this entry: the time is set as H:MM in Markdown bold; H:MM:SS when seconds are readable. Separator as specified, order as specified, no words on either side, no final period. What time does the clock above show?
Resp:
**8:56**
